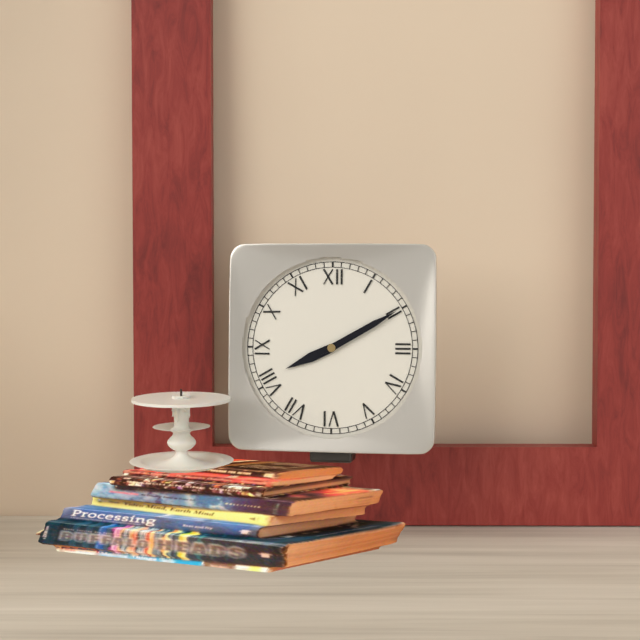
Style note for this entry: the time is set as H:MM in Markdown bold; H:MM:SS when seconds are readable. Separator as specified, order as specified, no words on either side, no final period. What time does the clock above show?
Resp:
**8:10**
